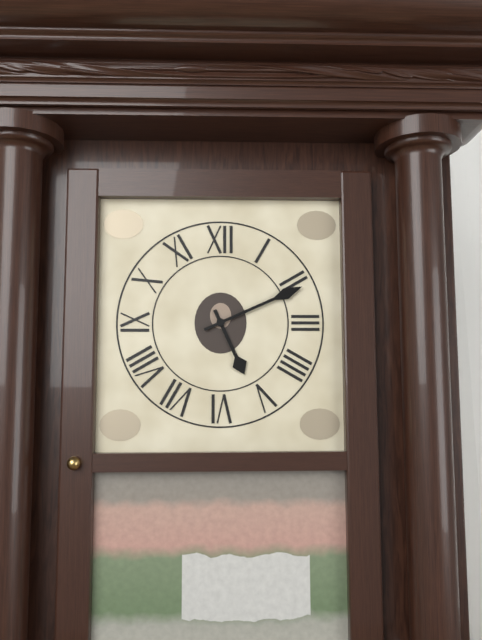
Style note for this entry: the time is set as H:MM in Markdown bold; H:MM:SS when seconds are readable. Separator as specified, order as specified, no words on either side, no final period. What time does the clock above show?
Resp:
**5:11**
